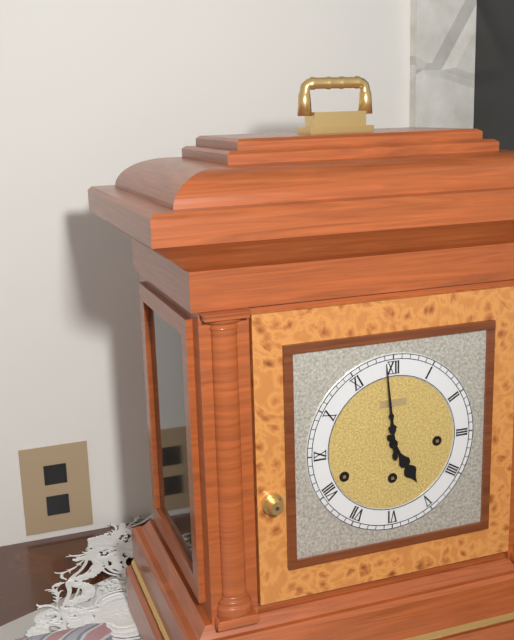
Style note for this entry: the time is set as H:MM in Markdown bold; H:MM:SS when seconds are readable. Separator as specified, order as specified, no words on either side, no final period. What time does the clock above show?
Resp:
**4:59**
